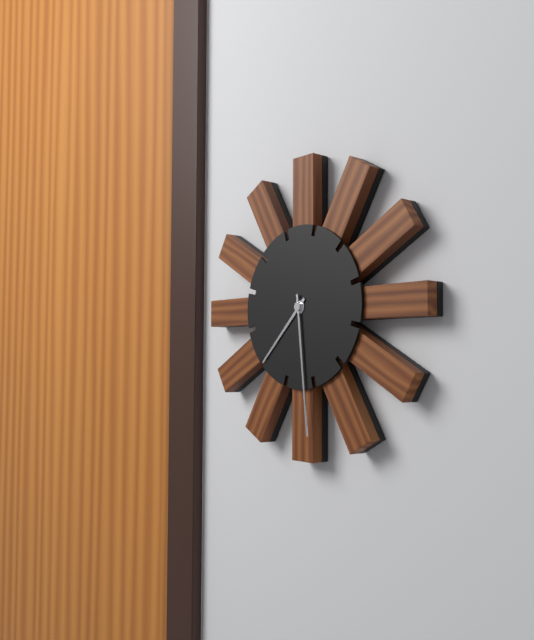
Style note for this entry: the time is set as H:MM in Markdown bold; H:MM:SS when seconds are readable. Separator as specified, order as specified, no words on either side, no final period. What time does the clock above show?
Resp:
**7:29**
